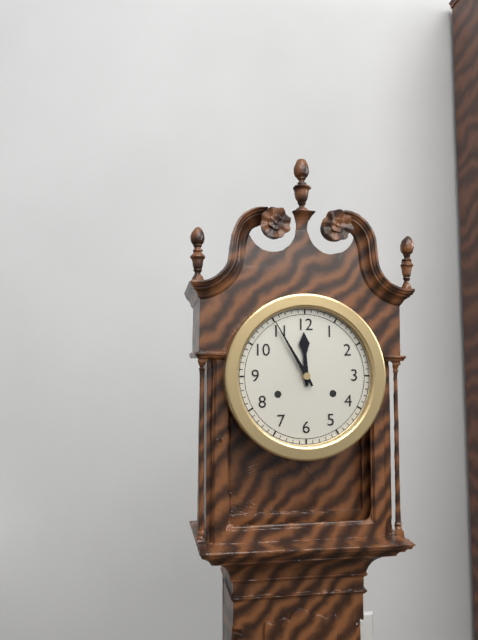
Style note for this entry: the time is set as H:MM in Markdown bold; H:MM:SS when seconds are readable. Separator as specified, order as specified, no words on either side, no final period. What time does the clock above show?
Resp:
**11:55**
